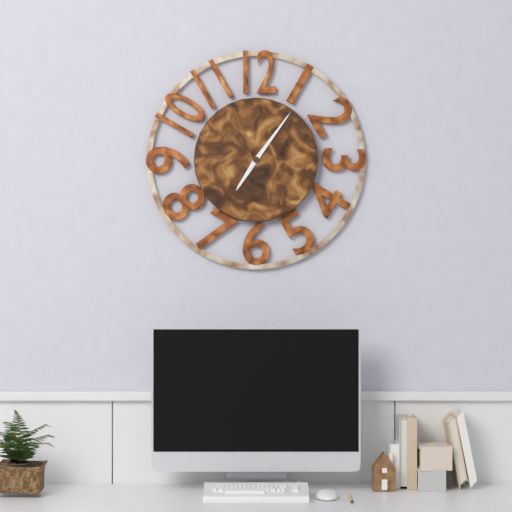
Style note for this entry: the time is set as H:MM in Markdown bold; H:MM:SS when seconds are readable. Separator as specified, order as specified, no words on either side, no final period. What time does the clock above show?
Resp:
**7:06**
